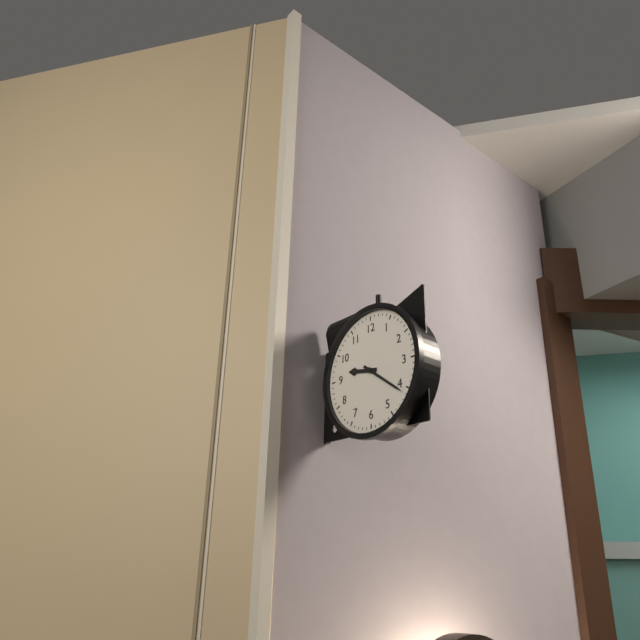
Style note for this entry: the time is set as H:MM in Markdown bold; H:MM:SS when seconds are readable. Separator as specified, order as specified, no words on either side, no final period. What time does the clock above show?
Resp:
**9:21**
